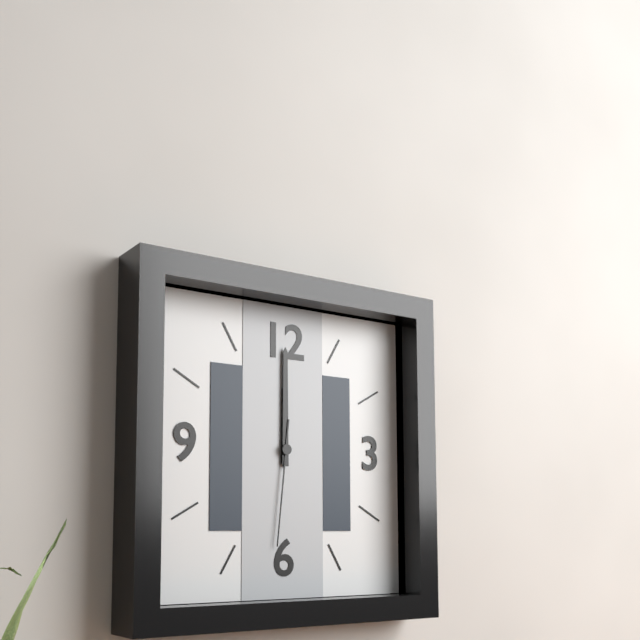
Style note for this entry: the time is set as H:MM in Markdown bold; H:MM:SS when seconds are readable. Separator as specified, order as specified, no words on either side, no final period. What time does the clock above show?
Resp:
**12:00:31**
